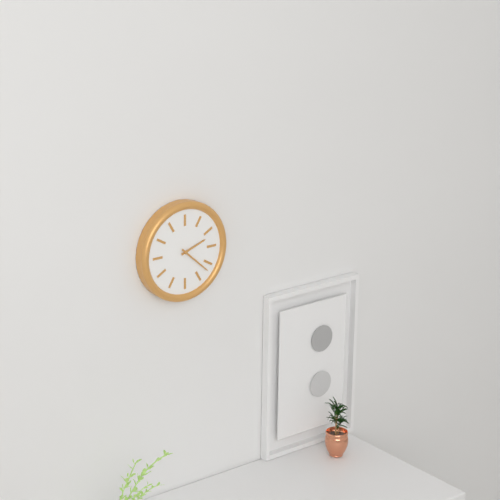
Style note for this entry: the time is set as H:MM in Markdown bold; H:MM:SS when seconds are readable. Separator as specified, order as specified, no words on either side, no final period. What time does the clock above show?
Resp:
**2:22**
